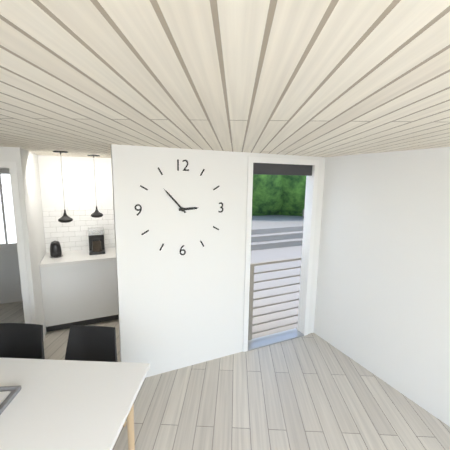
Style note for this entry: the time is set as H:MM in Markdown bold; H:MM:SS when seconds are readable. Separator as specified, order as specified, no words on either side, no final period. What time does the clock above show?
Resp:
**2:53**
